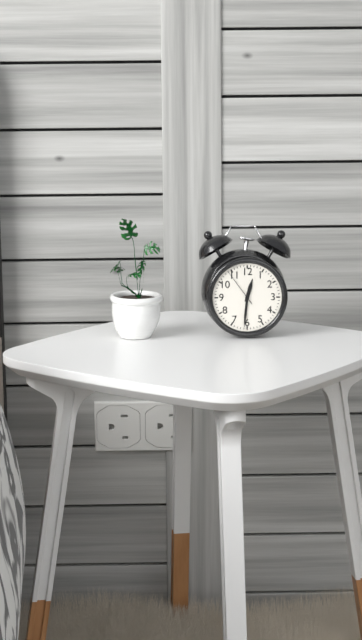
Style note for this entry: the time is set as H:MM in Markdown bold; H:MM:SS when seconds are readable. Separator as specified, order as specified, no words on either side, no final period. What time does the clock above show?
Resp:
**12:31**
